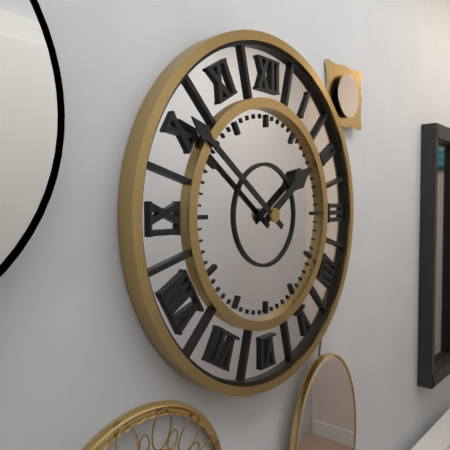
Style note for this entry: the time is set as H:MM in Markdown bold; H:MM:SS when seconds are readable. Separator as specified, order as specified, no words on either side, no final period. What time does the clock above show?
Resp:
**1:51**
